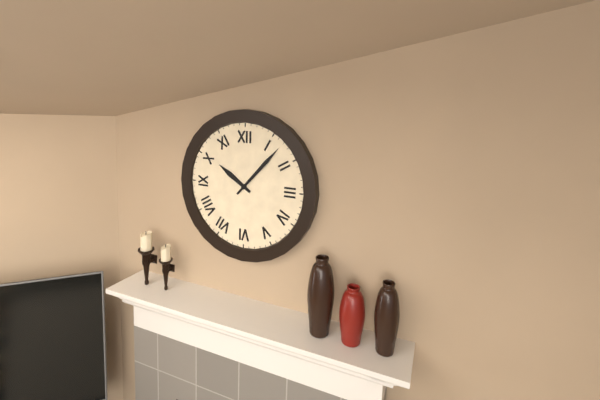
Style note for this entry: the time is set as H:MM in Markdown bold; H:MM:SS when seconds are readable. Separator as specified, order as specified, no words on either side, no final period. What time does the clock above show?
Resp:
**10:07**
